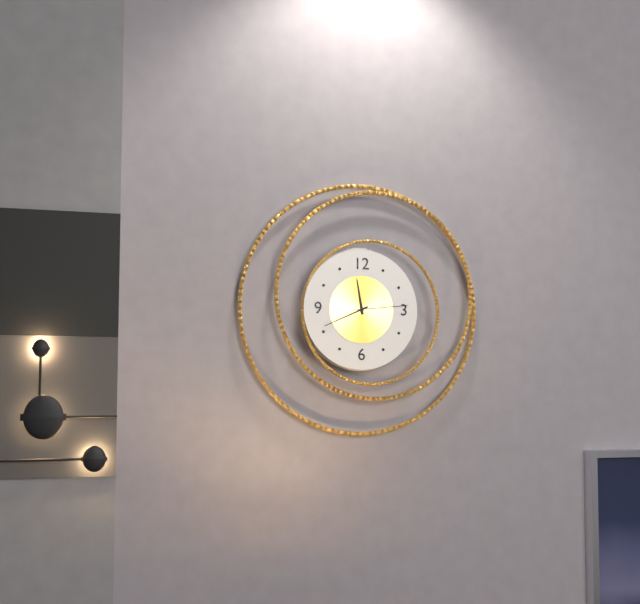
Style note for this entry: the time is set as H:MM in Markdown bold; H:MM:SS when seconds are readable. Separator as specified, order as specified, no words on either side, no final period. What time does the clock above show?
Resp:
**11:41:14**
